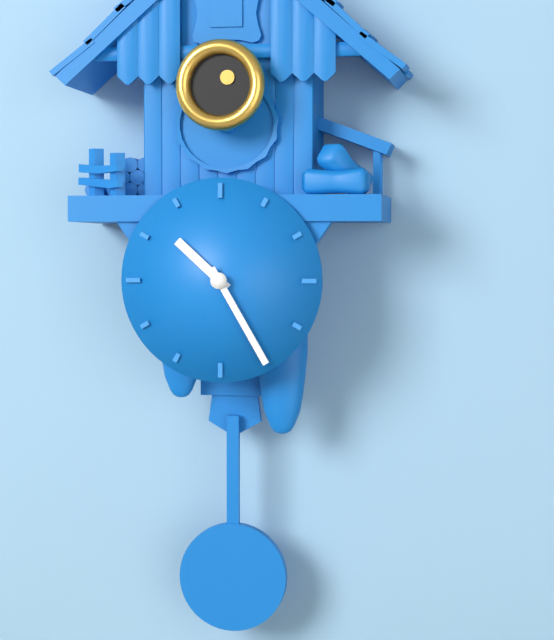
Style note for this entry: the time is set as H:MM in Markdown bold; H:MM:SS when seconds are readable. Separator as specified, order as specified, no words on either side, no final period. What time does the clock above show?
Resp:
**10:25**
